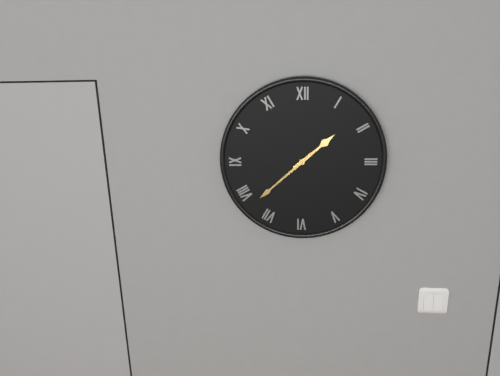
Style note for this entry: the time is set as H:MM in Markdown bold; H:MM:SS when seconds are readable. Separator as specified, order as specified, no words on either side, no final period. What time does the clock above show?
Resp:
**1:38**
